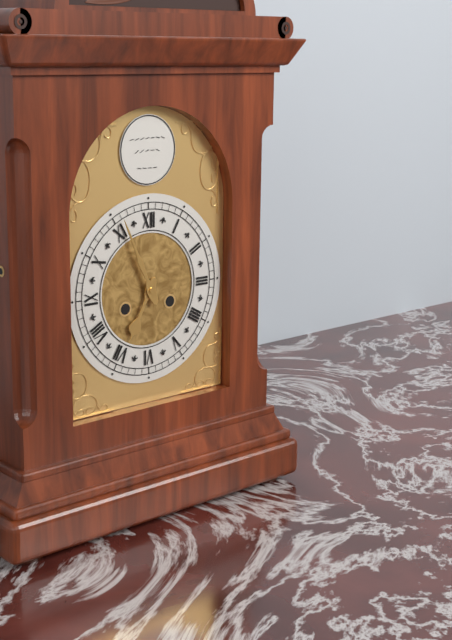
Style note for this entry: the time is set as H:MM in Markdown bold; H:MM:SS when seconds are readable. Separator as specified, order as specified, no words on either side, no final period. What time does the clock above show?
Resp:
**6:56**
